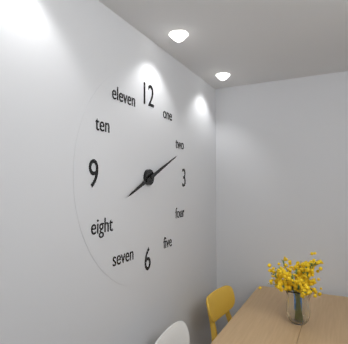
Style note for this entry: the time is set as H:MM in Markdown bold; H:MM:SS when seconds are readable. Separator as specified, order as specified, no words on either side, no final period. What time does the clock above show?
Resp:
**8:11**
